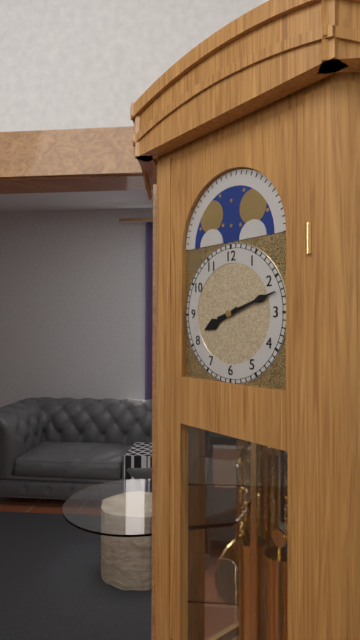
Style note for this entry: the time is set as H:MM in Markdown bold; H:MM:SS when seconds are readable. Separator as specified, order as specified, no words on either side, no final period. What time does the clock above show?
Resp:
**8:12**
